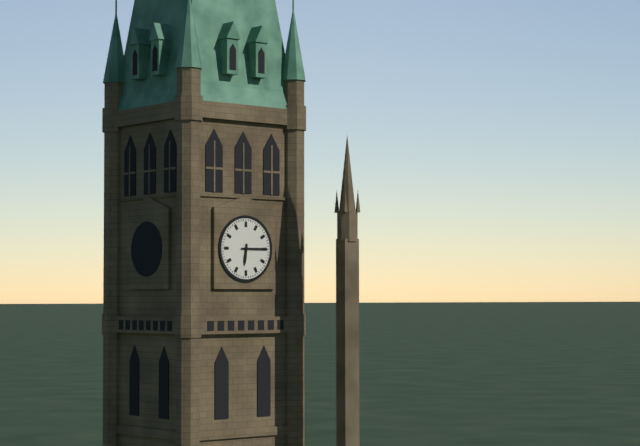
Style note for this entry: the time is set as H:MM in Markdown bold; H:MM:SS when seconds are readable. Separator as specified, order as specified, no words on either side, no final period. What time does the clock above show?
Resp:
**6:15**
